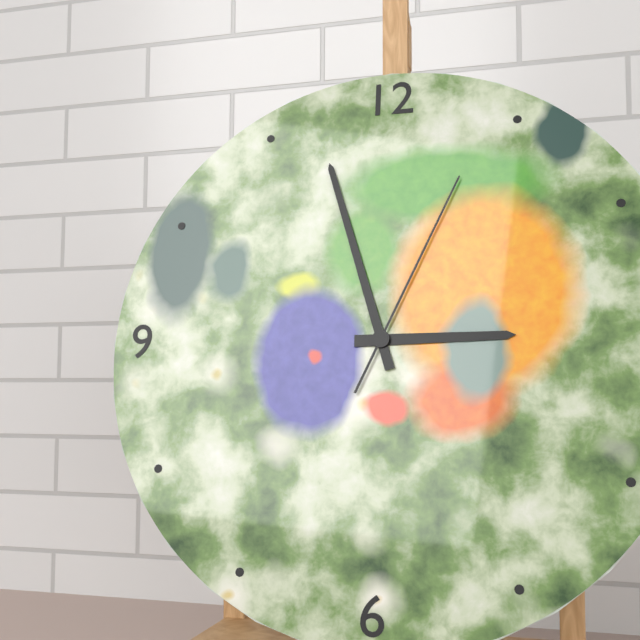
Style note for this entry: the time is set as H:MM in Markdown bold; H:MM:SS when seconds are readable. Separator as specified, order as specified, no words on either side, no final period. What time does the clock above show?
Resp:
**2:57:04**
